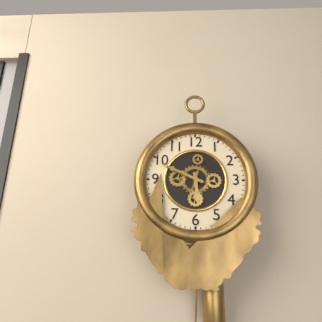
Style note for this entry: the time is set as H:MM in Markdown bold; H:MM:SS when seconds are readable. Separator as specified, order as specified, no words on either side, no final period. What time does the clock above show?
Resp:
**5:49**
